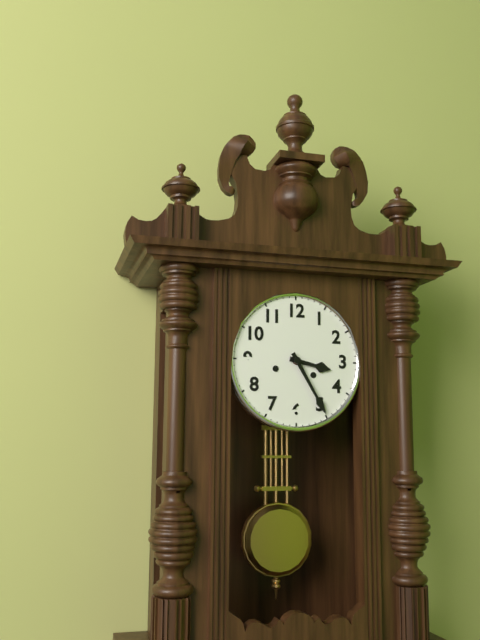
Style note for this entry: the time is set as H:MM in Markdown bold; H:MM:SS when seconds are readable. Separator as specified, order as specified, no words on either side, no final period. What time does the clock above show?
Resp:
**3:25**
